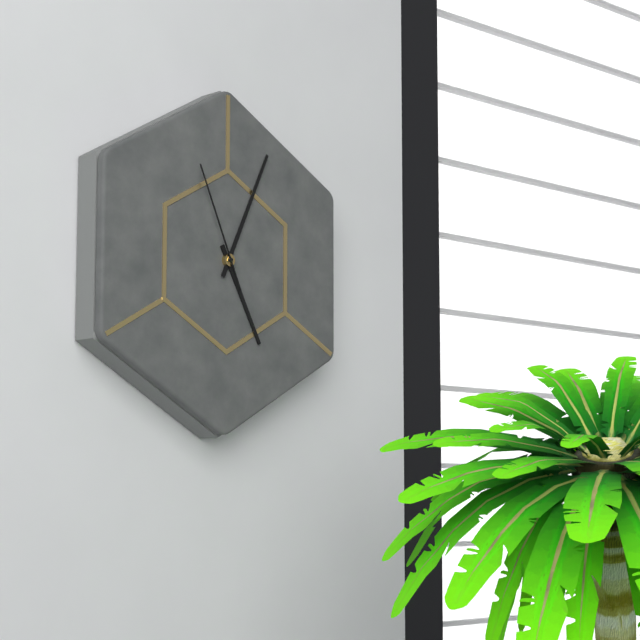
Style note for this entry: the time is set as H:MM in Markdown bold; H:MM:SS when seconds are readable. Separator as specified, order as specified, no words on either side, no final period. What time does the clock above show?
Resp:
**5:04:56**
